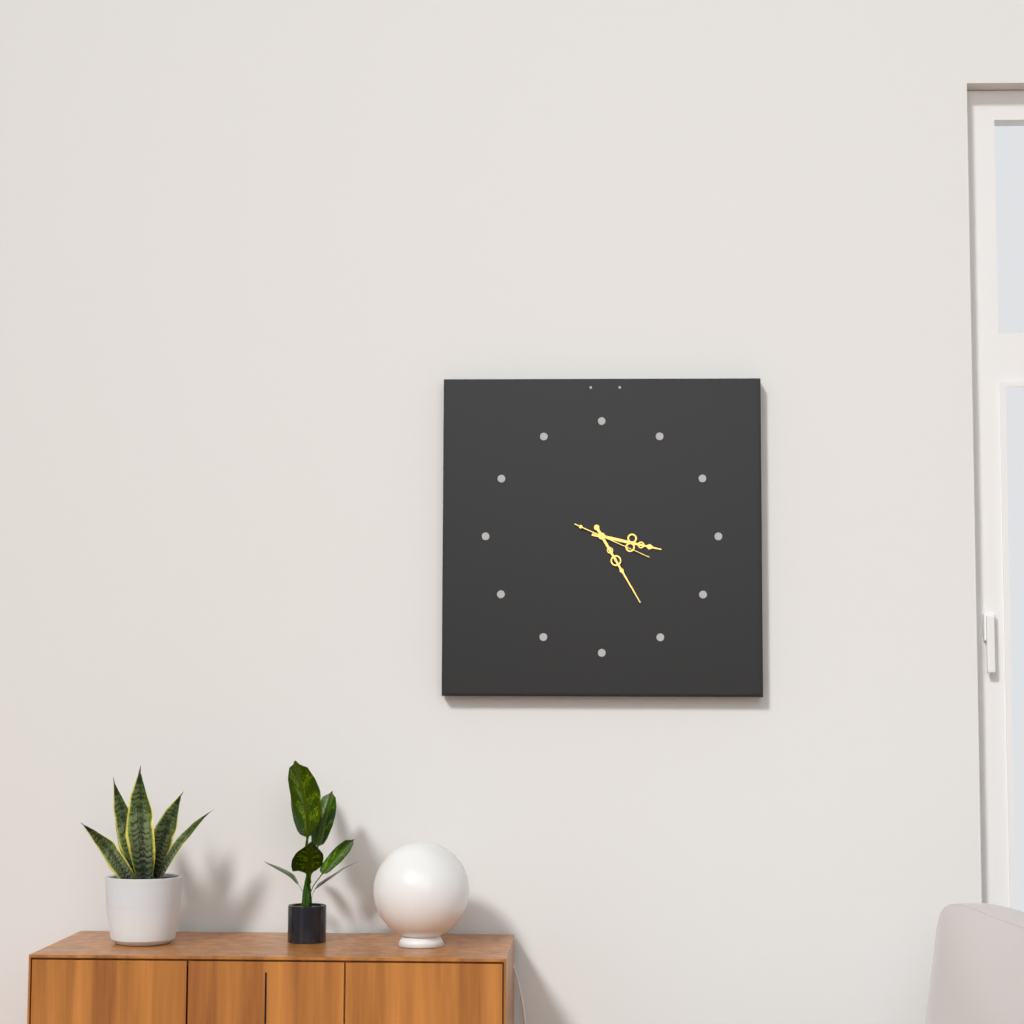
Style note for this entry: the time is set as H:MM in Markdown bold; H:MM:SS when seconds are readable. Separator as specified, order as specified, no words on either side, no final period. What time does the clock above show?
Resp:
**3:25:19**
